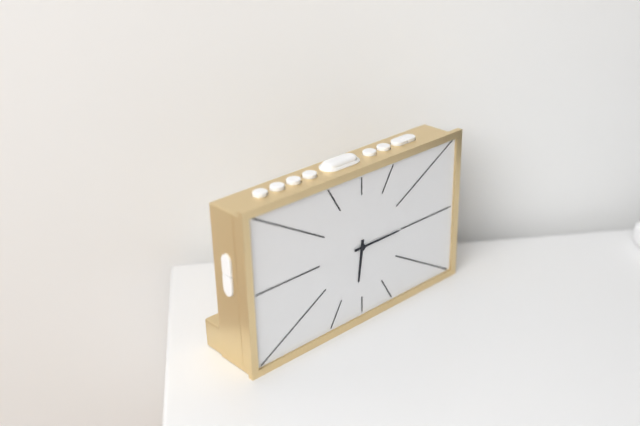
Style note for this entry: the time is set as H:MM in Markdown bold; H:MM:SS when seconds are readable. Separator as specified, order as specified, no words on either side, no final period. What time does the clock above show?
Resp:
**6:15**
